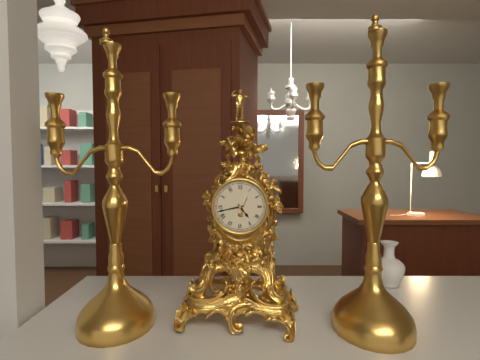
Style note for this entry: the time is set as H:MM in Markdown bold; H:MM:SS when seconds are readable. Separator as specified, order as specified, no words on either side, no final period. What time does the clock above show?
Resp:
**4:43**
